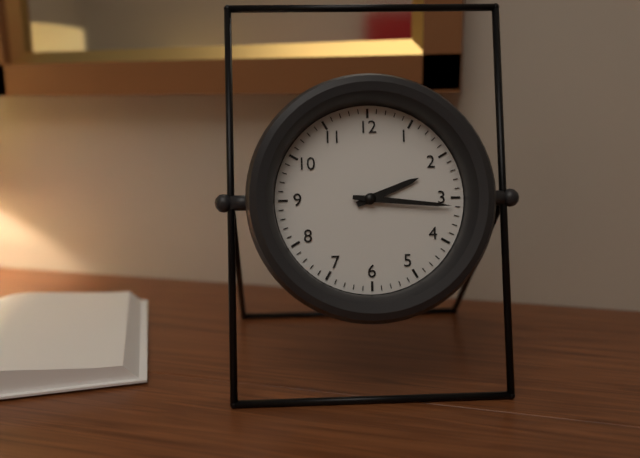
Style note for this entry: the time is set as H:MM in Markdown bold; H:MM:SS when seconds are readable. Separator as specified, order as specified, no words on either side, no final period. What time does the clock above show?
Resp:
**2:16**
